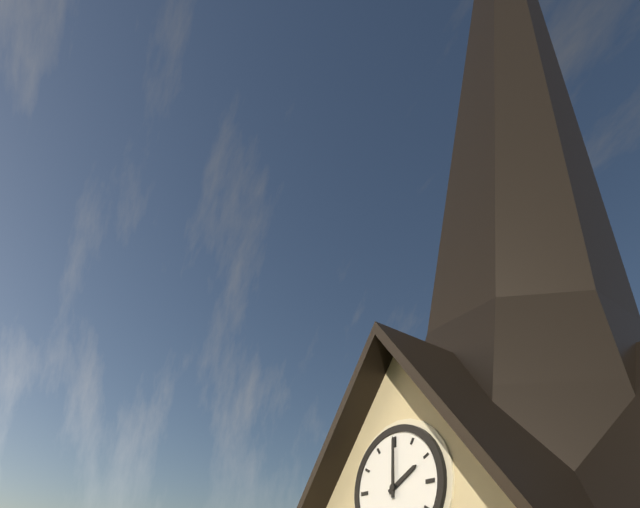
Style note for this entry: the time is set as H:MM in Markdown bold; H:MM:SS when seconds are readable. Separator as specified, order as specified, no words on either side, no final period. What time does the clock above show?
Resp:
**2:00**
